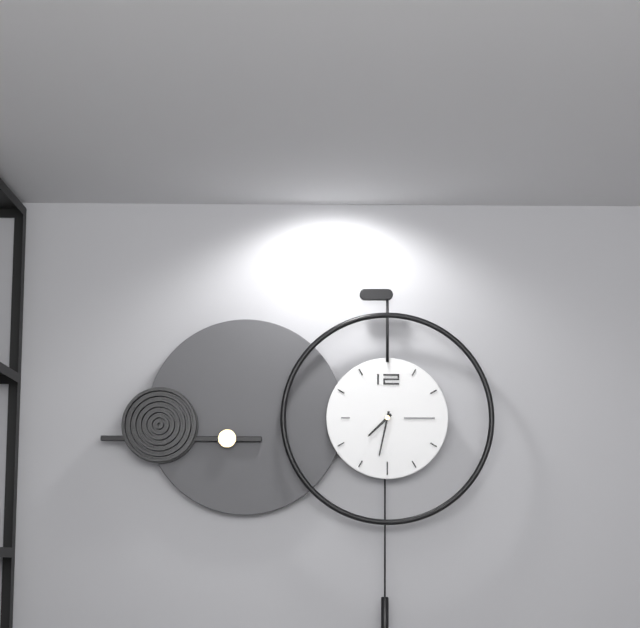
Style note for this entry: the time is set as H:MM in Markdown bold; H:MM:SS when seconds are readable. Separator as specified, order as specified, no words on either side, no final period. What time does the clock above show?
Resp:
**7:32**
